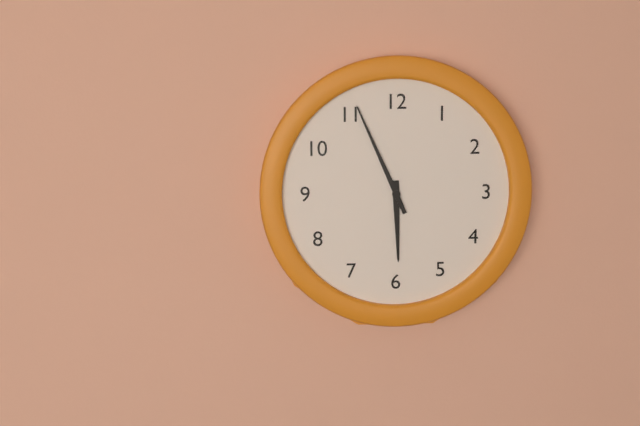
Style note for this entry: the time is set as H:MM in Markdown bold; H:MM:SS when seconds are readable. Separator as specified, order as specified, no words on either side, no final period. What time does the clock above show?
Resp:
**5:56**
